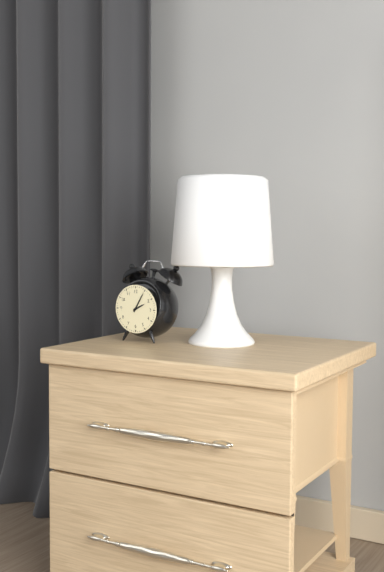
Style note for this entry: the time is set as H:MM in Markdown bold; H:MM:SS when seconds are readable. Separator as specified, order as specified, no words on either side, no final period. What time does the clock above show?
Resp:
**2:05**
